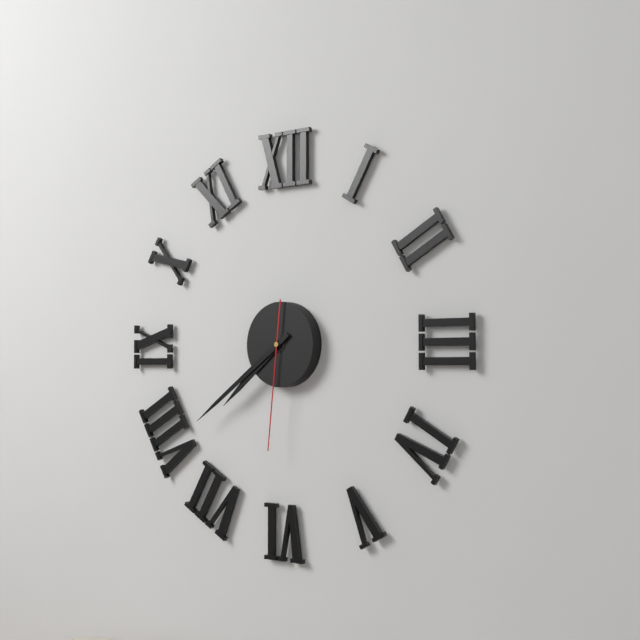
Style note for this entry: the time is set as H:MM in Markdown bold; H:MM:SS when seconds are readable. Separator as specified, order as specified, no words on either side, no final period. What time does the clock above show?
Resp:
**7:39:31**
